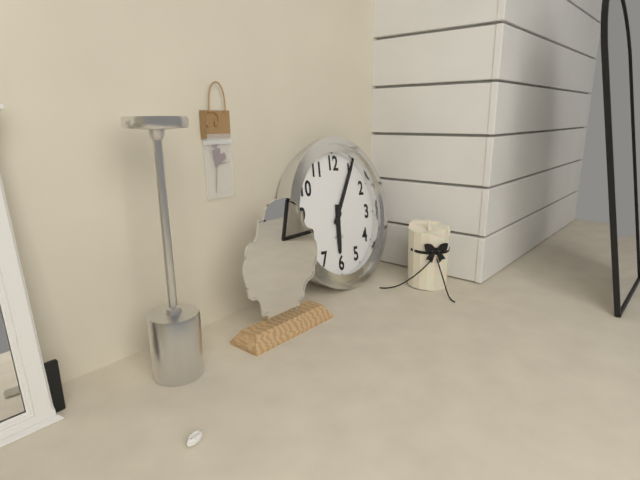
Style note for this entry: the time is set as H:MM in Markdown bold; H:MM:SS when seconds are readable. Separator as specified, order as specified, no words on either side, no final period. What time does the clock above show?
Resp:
**6:05**
